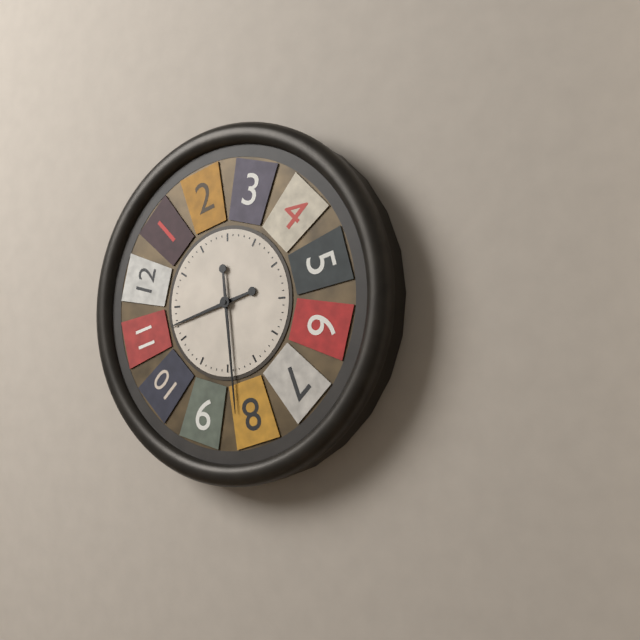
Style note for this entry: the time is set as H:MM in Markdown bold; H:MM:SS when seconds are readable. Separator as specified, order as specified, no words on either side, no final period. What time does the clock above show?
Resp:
**8:29**
